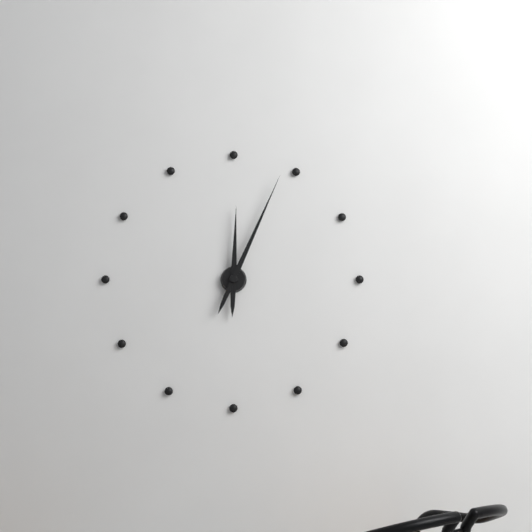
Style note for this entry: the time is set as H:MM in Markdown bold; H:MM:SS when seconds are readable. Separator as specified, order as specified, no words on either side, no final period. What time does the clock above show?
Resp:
**12:04**
